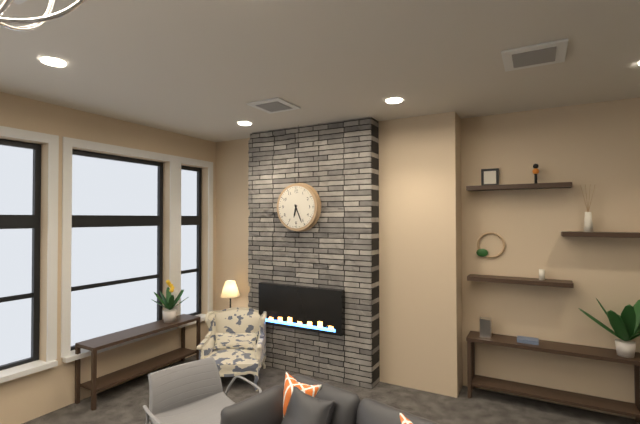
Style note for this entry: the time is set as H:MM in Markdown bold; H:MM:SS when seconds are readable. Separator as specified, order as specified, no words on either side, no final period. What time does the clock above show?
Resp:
**6:26**
